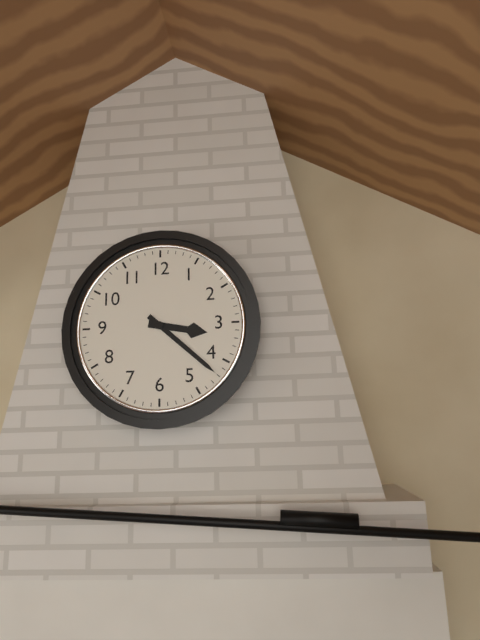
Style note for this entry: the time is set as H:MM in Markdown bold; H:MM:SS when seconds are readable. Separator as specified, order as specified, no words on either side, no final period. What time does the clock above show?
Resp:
**3:22**
